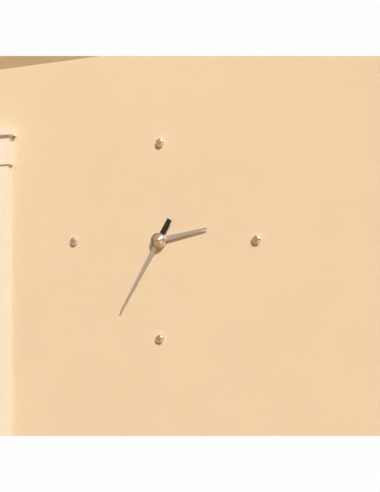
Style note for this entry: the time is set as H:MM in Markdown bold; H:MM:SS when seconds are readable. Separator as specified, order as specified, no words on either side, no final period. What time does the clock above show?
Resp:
**2:35**
